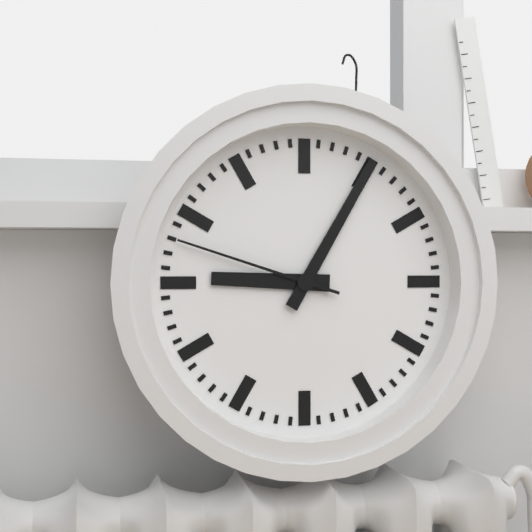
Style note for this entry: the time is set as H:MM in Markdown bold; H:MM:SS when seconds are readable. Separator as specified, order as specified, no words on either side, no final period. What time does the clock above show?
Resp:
**9:05:48**
